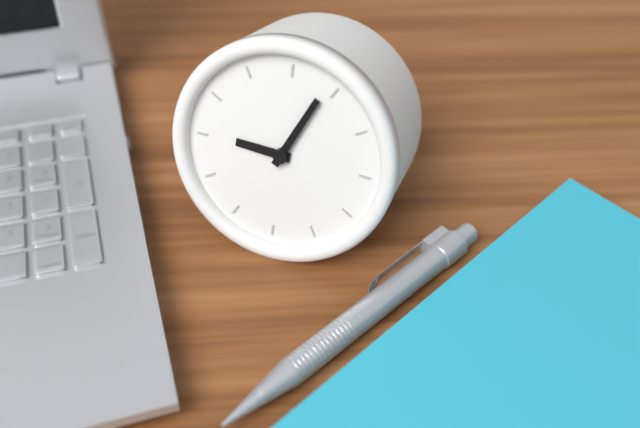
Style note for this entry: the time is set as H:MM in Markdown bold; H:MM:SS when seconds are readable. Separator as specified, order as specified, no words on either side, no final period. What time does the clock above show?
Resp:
**9:04**
